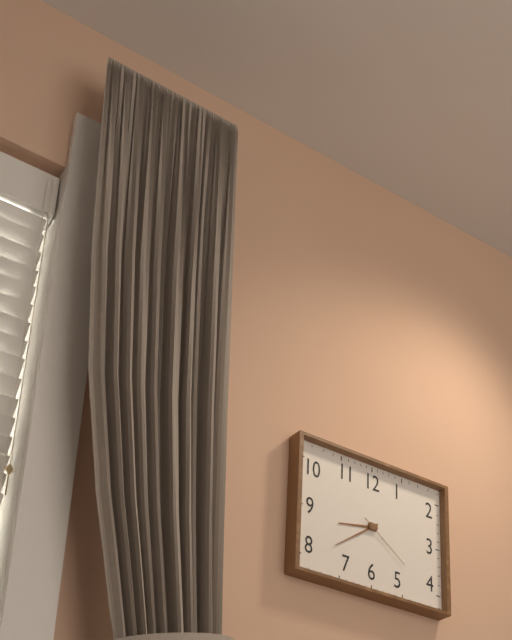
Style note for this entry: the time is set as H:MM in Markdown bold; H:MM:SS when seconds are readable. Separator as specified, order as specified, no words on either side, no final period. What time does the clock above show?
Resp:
**8:39:21**
